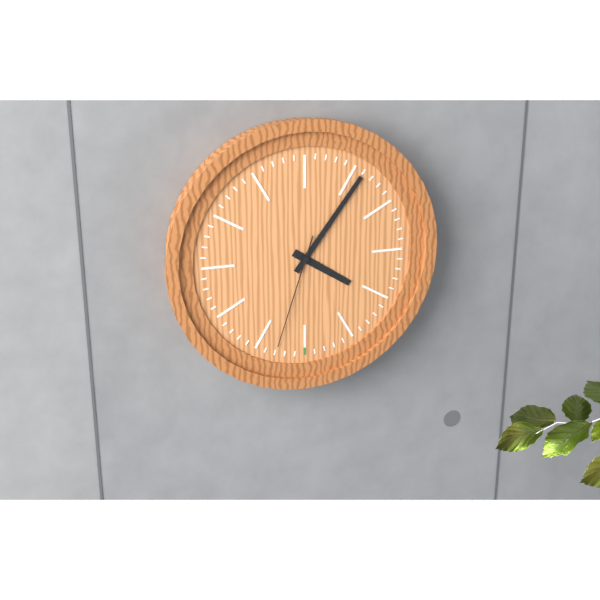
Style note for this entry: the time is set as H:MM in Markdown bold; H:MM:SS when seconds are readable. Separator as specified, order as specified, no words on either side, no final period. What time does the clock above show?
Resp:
**4:06:33**
